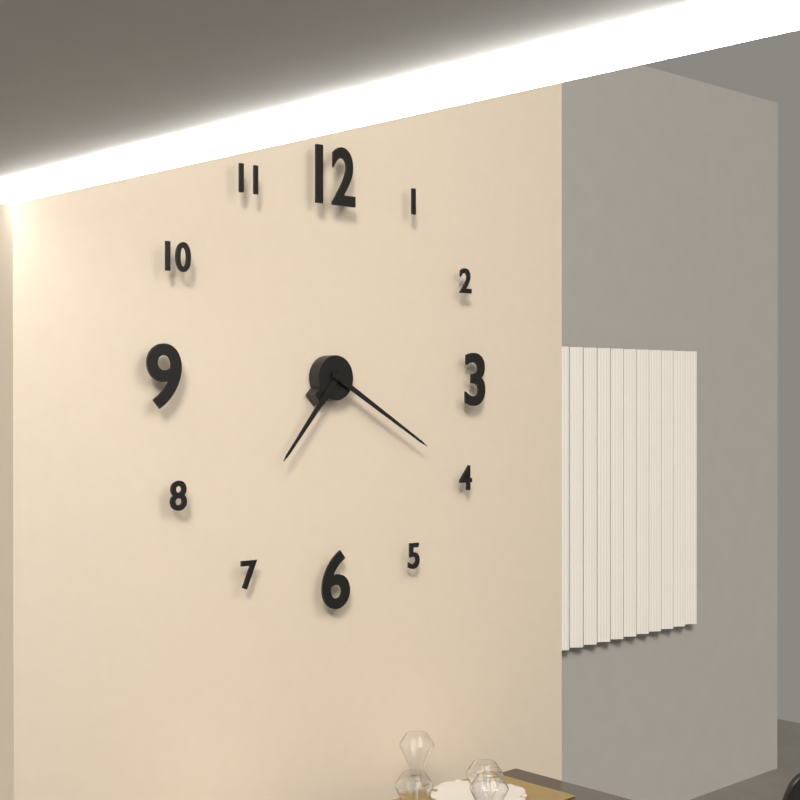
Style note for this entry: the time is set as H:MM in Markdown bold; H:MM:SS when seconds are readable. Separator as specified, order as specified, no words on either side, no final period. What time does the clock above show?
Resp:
**7:20**
